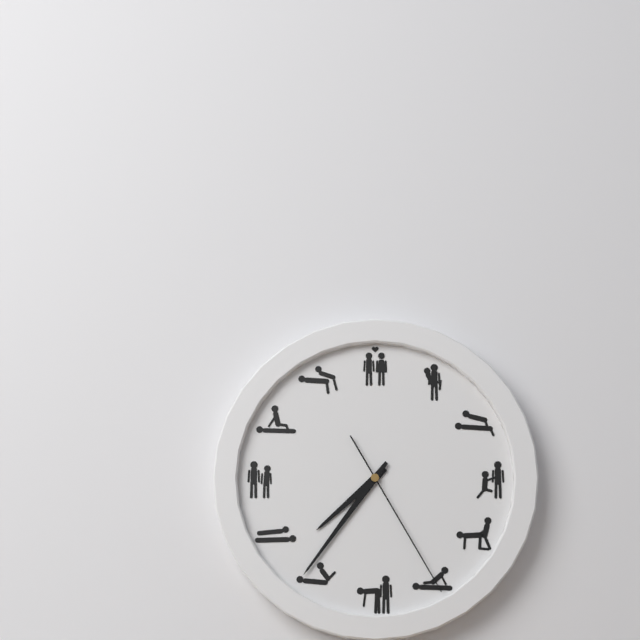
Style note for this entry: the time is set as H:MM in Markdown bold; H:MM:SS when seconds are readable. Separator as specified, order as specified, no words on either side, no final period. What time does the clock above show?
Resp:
**7:36:25**
